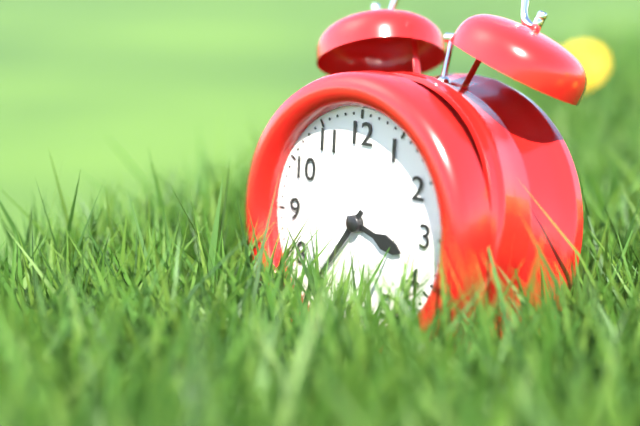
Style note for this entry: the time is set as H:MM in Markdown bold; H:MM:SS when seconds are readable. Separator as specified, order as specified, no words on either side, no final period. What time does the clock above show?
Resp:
**3:36**
